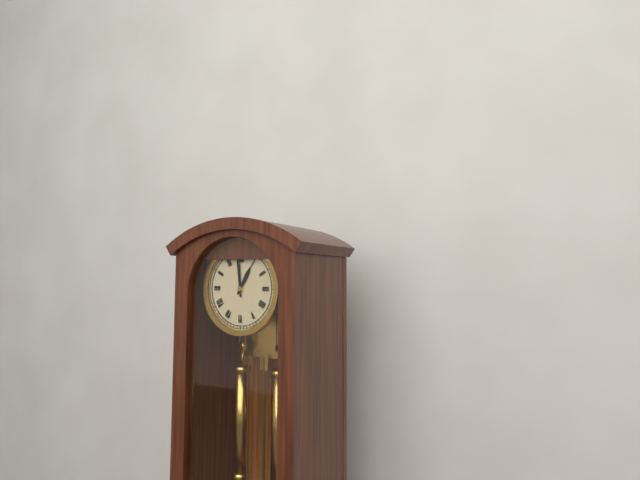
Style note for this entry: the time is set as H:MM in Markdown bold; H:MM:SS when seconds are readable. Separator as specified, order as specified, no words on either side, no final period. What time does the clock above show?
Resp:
**12:59**
